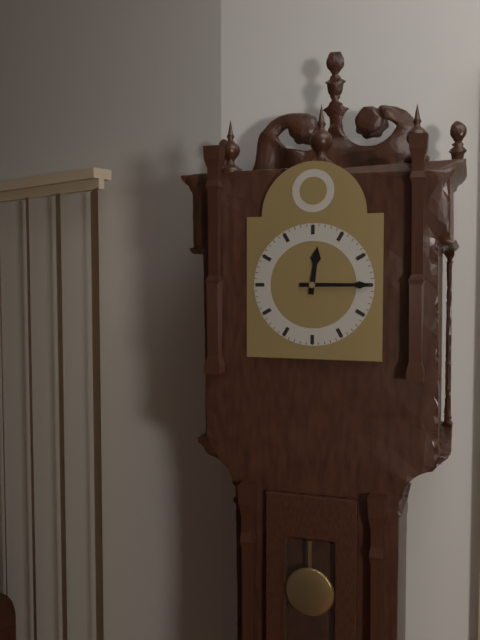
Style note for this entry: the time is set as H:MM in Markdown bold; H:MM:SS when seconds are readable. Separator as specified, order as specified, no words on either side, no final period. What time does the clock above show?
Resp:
**12:15**
